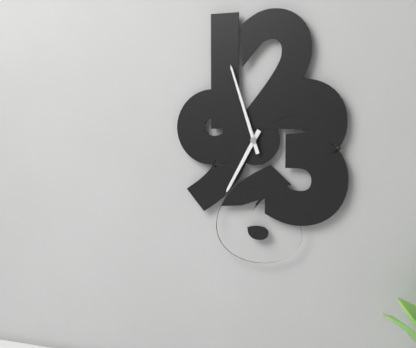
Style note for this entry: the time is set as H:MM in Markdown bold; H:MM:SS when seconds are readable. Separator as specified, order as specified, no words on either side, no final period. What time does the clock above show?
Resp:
**6:57**
